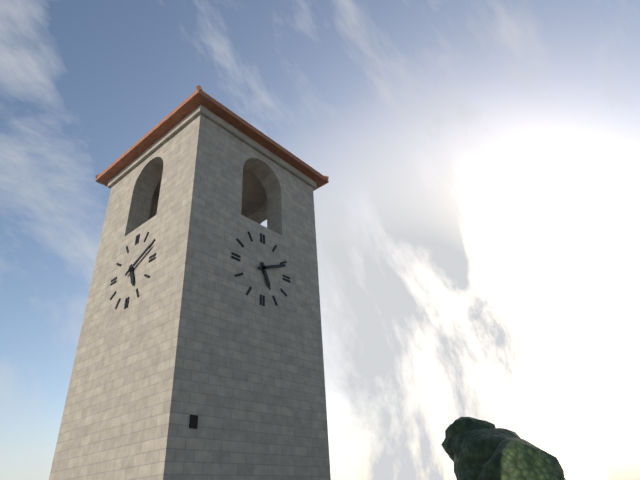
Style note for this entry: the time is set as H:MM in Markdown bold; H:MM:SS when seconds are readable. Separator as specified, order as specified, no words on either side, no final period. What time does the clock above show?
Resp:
**5:11**
